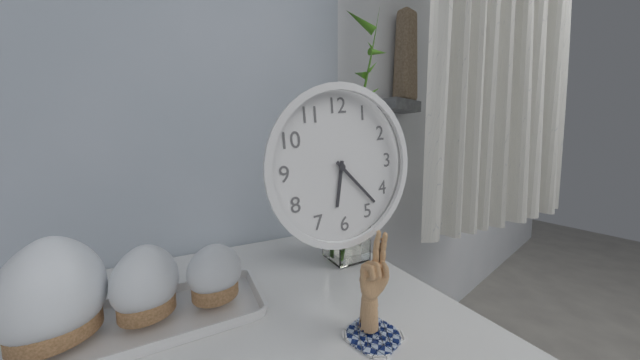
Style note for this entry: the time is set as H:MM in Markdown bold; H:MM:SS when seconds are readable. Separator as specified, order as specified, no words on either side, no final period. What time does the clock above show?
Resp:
**6:23**
